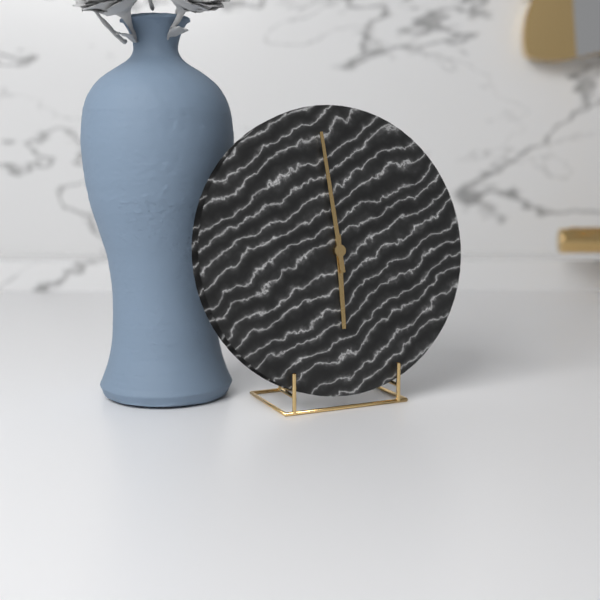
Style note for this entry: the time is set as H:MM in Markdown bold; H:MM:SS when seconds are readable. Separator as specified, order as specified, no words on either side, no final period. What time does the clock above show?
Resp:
**5:59**
